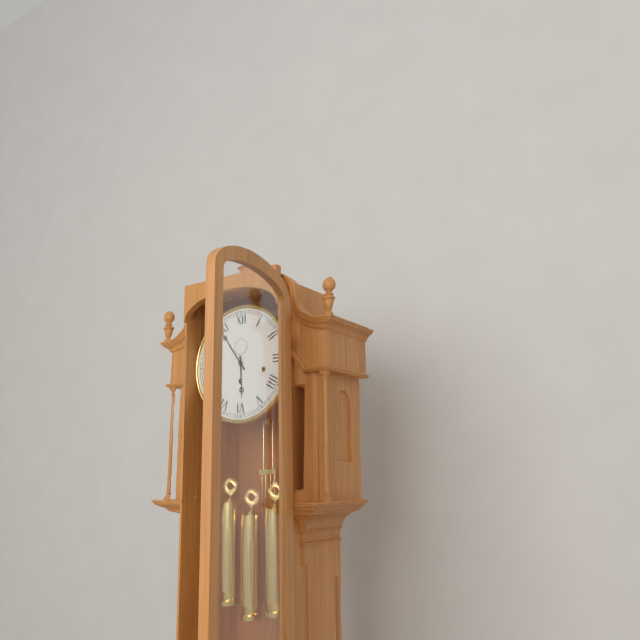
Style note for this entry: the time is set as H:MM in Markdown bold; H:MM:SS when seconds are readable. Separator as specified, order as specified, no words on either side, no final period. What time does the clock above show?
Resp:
**5:54**
